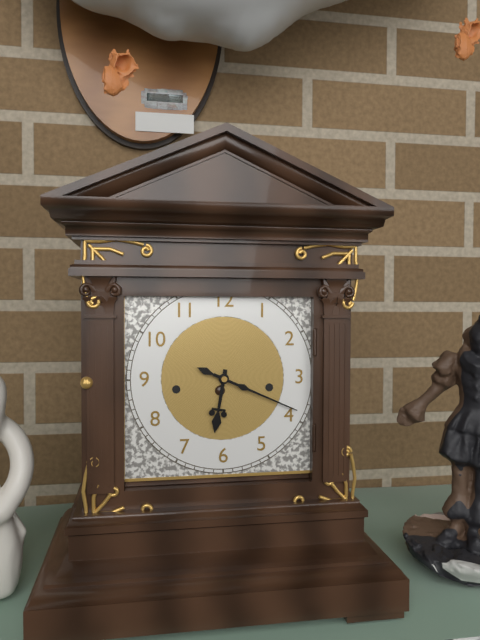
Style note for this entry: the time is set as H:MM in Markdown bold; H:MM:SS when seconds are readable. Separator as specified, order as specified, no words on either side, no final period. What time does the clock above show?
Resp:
**6:19**
